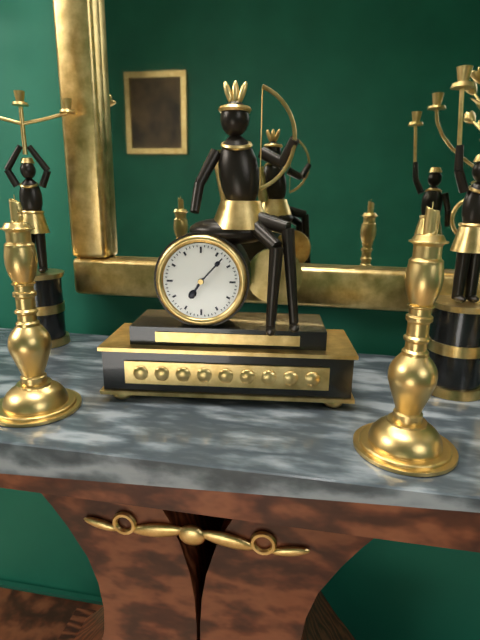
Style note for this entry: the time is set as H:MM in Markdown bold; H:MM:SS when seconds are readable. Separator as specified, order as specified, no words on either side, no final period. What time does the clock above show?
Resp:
**7:07**
